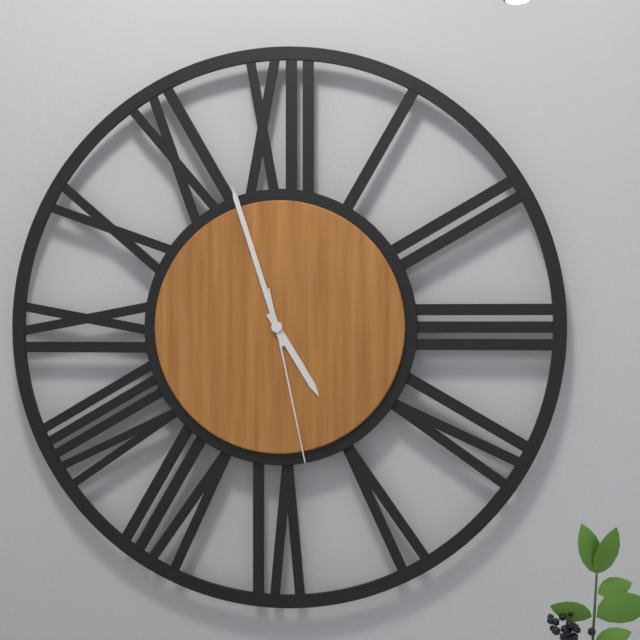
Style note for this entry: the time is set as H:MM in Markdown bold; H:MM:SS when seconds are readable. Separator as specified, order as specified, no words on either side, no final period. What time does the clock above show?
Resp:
**4:57:28**
